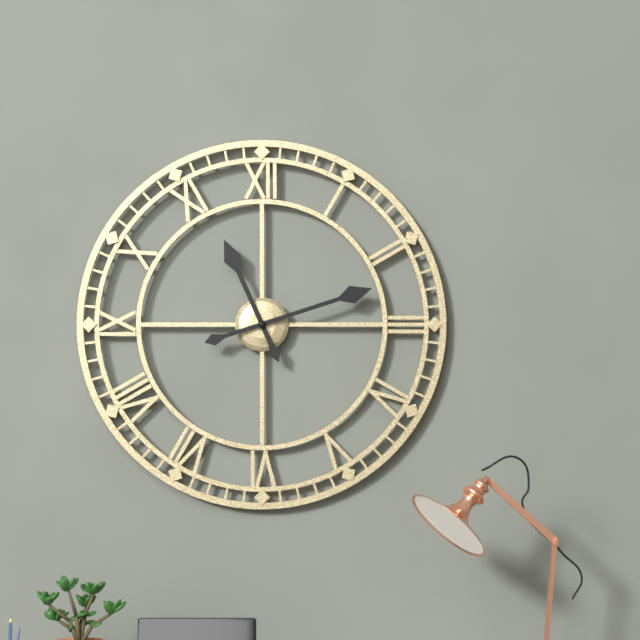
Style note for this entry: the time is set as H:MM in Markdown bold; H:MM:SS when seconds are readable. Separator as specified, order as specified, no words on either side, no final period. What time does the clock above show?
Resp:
**11:12**
